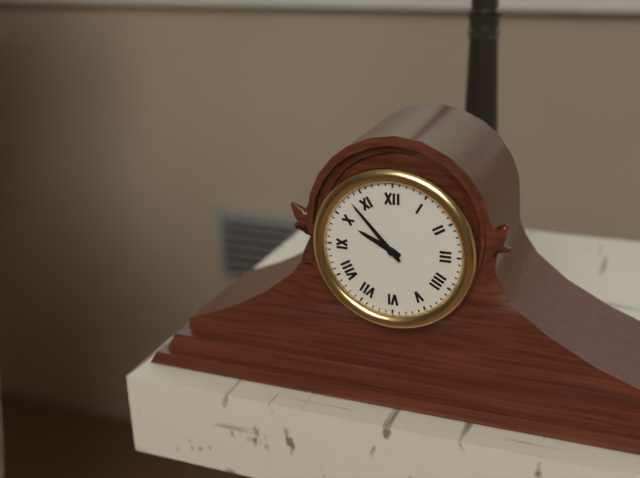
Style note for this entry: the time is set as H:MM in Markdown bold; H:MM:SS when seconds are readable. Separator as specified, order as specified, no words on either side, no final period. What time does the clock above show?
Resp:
**9:53**
